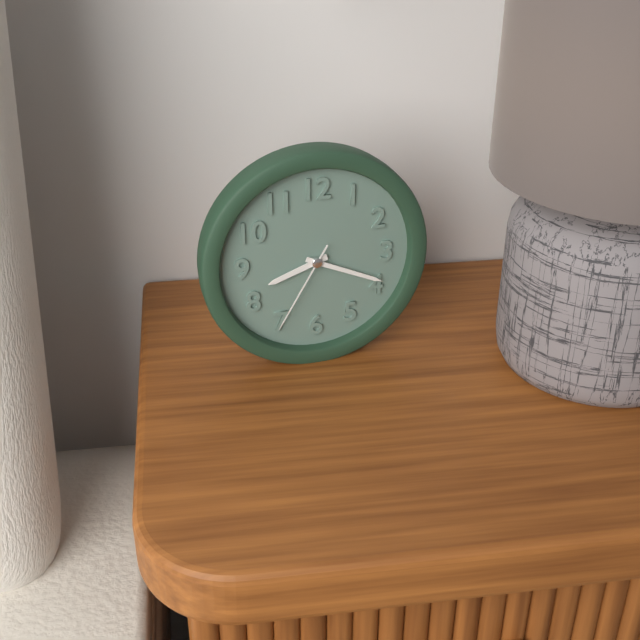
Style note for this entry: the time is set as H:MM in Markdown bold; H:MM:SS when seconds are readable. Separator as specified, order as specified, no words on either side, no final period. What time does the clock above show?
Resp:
**8:19:35**
